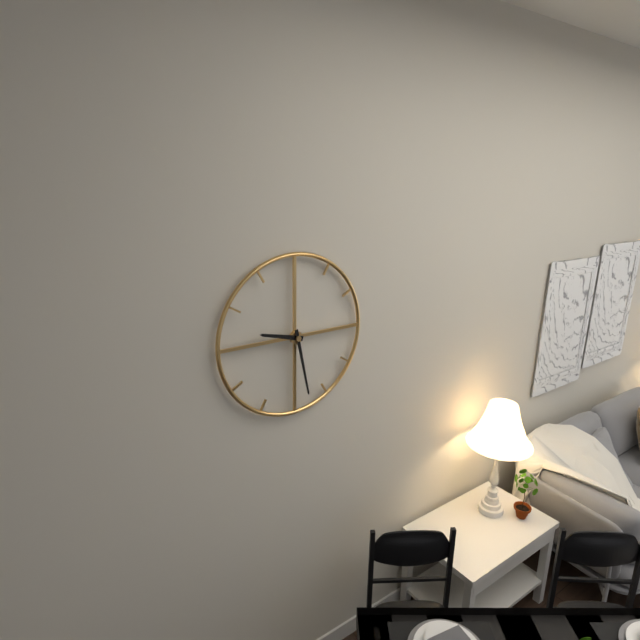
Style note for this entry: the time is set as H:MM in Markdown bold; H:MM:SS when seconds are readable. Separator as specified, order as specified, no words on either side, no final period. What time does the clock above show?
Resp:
**9:28**
